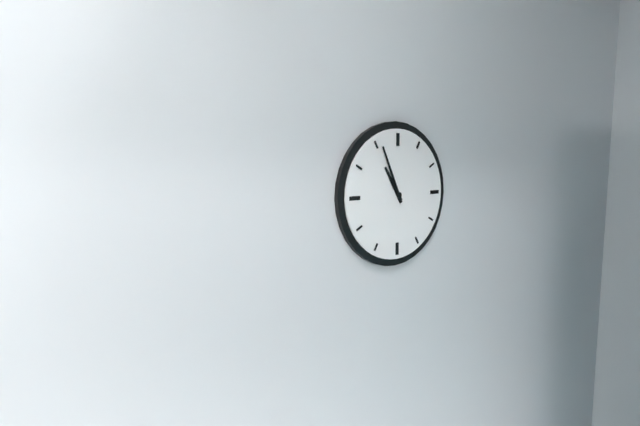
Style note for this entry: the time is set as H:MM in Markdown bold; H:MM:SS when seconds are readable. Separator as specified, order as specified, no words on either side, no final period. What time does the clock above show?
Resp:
**10:56**
